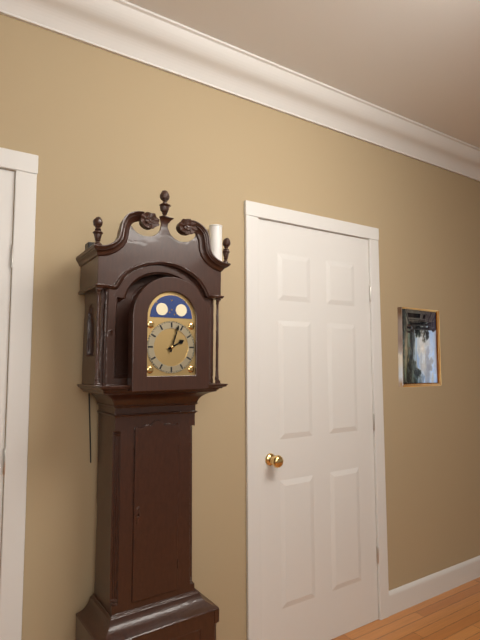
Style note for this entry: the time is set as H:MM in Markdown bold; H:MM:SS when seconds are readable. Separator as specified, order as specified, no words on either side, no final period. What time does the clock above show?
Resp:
**2:03**
